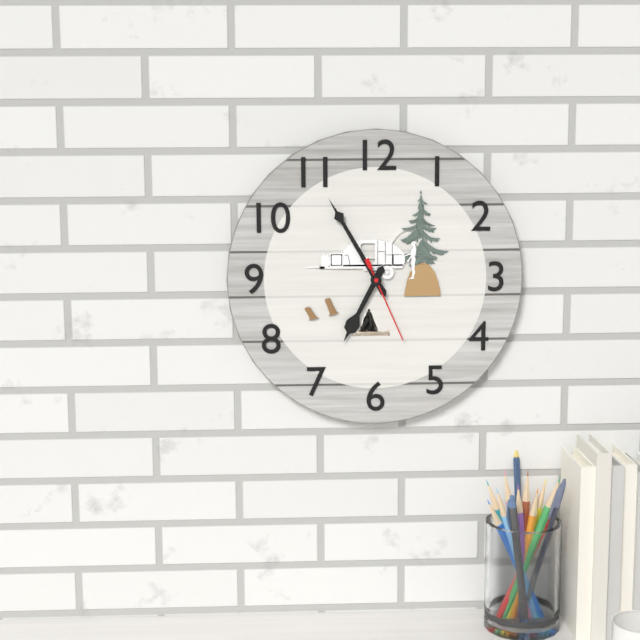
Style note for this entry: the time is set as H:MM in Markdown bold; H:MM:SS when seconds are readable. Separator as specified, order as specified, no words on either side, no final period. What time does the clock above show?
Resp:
**6:55:26**
